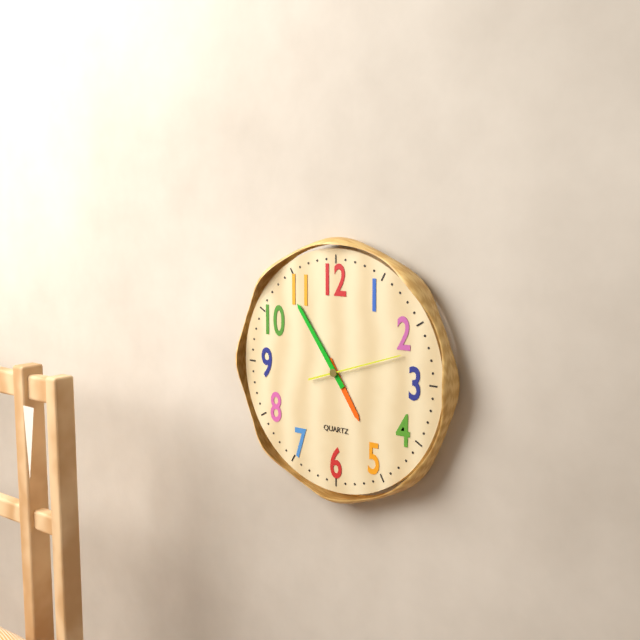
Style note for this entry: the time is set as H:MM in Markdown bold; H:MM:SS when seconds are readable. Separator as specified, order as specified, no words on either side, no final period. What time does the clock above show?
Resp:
**4:54:12**
